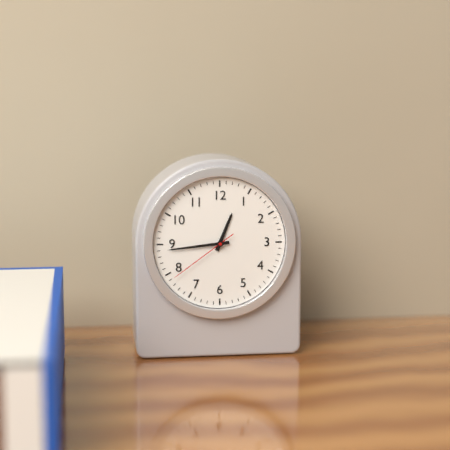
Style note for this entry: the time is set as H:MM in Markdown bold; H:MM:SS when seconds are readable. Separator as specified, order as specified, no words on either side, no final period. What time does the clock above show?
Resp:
**12:44:39**
